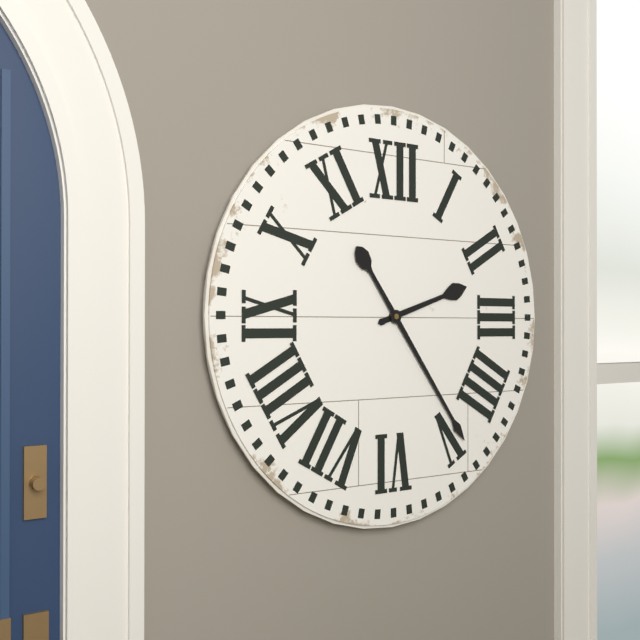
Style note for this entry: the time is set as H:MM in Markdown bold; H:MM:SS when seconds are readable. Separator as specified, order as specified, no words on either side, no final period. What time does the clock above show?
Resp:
**2:24**
